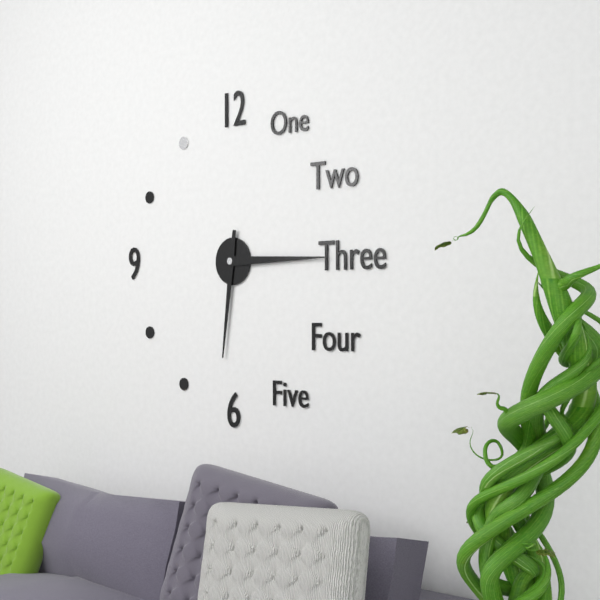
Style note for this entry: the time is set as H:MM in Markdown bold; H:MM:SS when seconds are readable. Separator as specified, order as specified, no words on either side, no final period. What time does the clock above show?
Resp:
**6:15**
